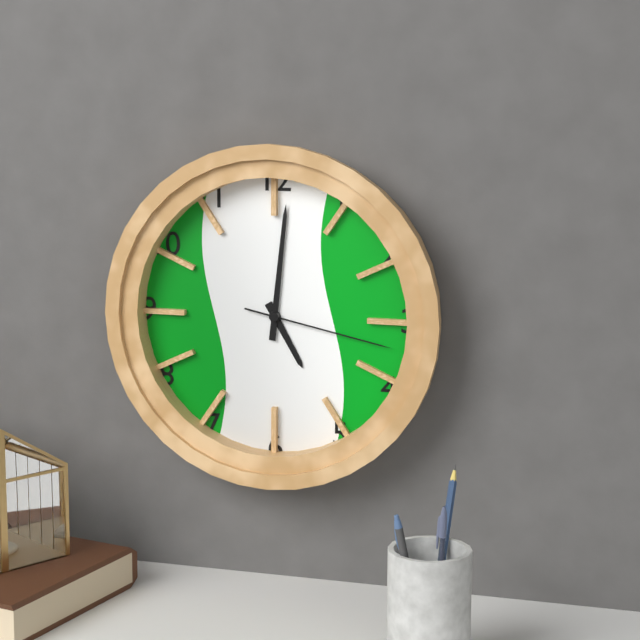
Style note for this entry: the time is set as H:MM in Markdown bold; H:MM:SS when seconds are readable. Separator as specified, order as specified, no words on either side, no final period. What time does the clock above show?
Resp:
**5:01:17**
